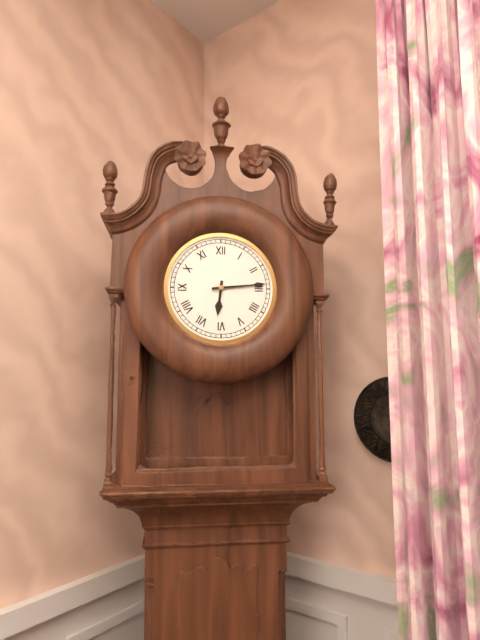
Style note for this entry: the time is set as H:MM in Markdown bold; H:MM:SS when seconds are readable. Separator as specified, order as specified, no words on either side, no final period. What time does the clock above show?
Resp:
**6:14**
